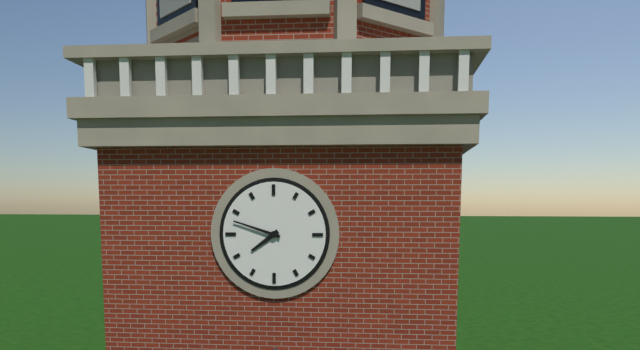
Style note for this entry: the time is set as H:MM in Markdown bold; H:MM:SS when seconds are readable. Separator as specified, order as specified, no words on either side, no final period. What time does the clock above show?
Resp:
**7:48**
